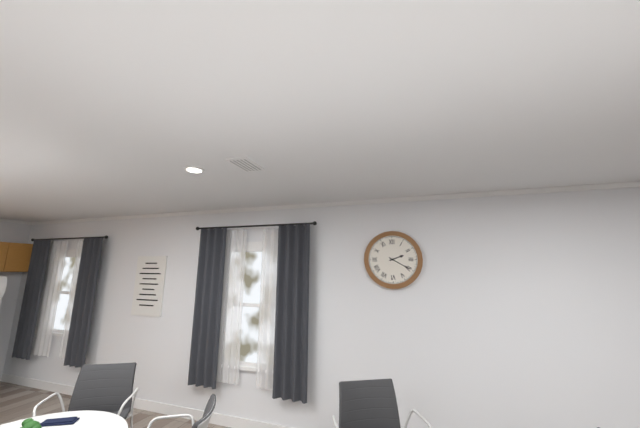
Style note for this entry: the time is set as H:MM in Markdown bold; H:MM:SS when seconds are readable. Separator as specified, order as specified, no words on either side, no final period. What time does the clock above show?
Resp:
**2:20**
